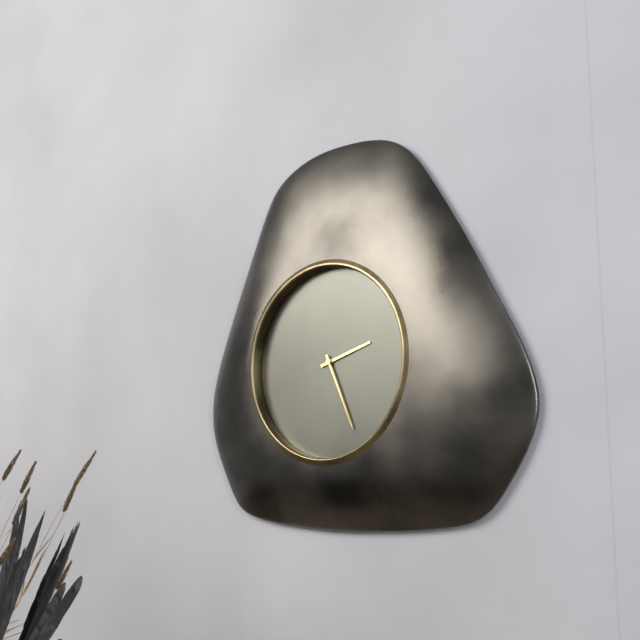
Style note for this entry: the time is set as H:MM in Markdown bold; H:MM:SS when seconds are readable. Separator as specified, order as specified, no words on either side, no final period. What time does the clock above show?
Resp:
**2:26**
